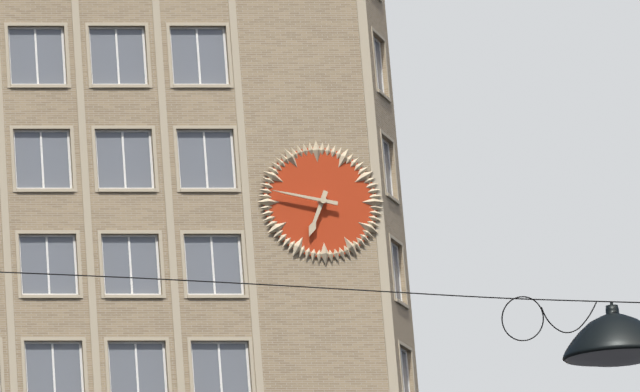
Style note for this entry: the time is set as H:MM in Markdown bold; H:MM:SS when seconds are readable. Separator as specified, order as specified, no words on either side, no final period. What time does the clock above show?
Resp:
**6:47**
